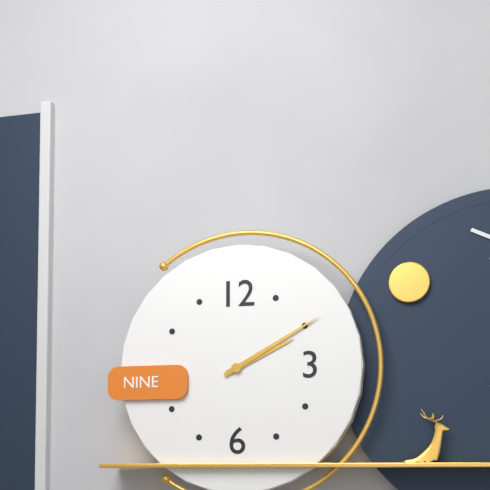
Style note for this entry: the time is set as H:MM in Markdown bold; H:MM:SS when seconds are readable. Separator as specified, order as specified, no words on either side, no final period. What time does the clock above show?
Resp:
**2:10**
